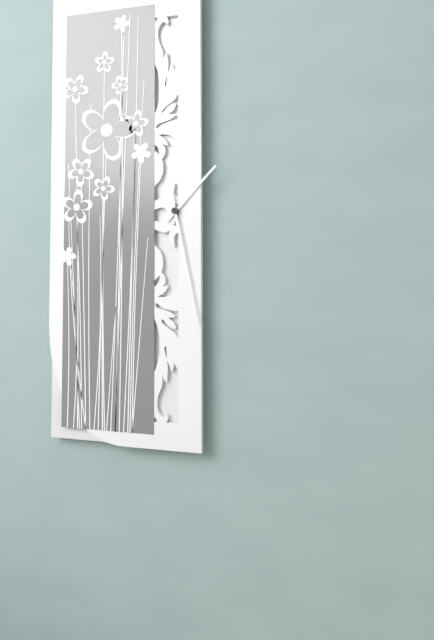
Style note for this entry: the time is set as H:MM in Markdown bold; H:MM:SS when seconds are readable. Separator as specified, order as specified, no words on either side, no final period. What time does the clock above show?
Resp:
**1:28**
